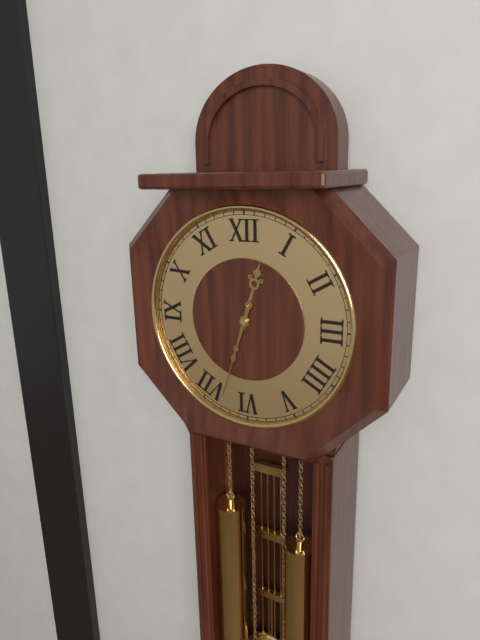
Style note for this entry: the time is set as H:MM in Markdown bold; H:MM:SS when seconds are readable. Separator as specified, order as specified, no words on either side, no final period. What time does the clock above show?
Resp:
**12:33**
